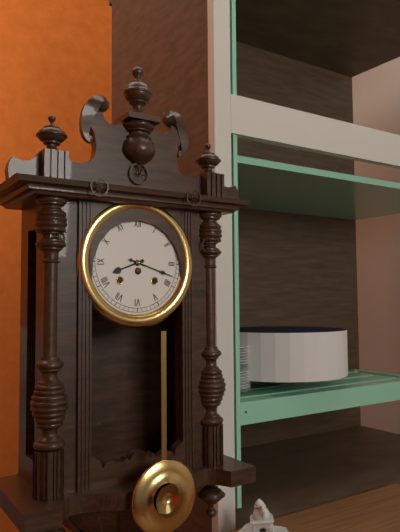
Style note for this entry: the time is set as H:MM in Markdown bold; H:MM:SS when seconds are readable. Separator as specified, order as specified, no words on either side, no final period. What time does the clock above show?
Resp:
**8:18**
